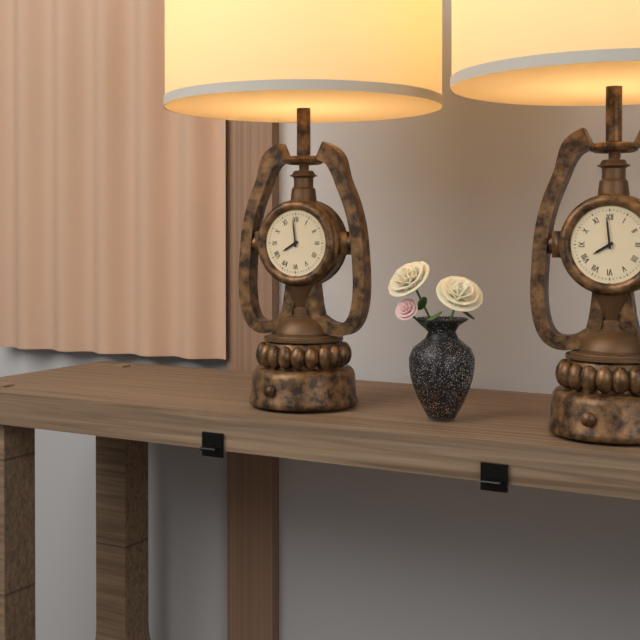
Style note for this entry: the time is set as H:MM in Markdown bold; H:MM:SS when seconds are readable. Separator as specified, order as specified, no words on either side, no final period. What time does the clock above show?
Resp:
**7:59**
